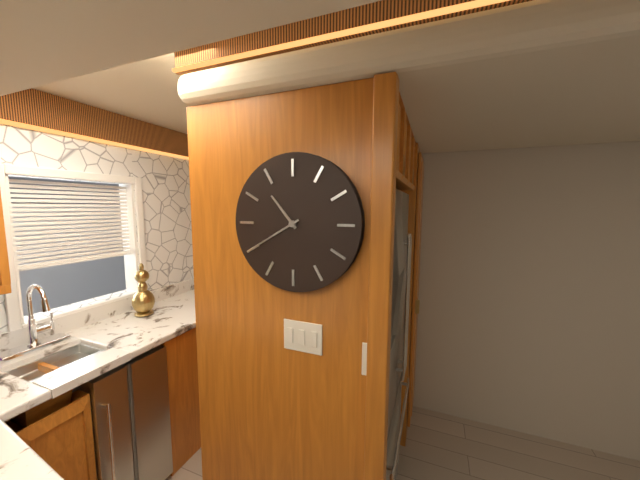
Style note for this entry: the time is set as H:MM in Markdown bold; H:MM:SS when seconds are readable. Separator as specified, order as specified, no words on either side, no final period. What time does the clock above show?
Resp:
**10:40**
